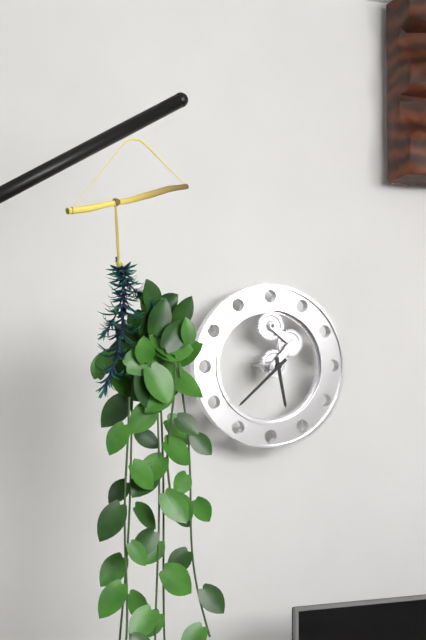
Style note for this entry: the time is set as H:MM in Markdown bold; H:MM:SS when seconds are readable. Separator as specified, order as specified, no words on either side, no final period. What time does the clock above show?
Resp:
**5:38**
